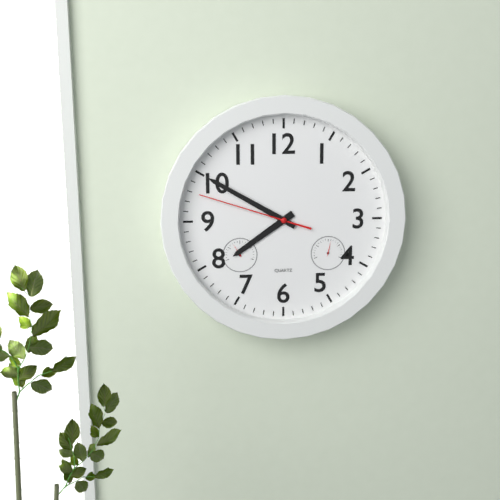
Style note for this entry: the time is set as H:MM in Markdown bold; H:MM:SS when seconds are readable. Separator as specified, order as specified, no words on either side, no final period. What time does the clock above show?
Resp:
**7:50:48**
